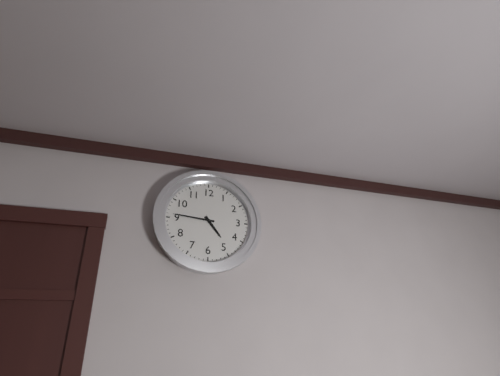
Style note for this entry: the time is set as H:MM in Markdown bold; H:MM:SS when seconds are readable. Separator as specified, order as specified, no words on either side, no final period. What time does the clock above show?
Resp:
**4:46**
